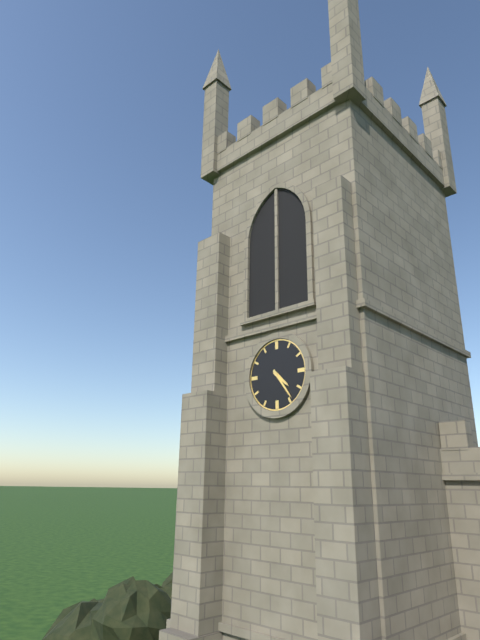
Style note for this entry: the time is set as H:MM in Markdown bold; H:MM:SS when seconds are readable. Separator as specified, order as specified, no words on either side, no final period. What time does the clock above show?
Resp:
**4:24**
